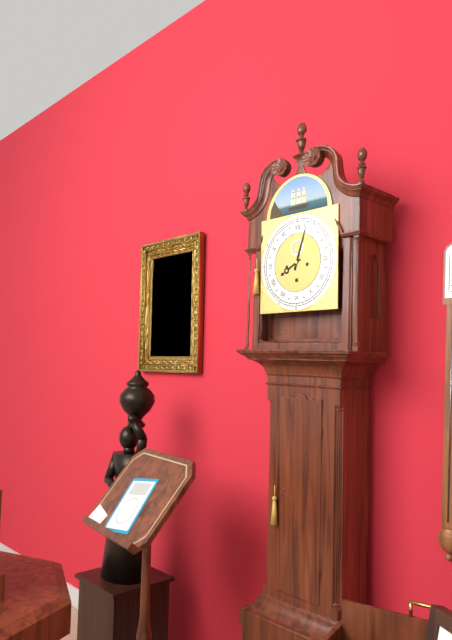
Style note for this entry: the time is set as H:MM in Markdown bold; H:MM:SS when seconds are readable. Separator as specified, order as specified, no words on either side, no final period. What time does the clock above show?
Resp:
**8:03**
